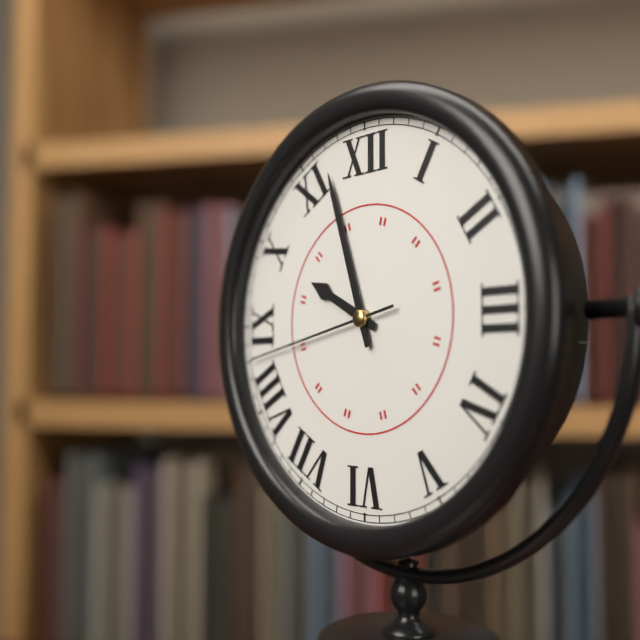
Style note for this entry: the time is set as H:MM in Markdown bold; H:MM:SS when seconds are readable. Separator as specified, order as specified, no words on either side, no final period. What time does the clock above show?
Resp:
**9:57:43**
